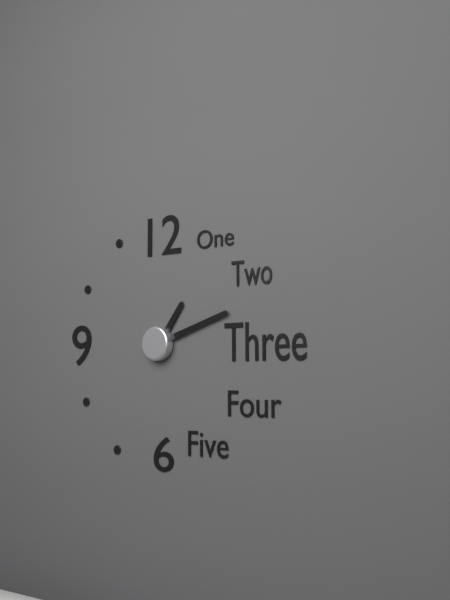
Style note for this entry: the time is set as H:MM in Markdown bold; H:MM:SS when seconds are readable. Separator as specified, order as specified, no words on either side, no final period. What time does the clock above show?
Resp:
**1:12**
